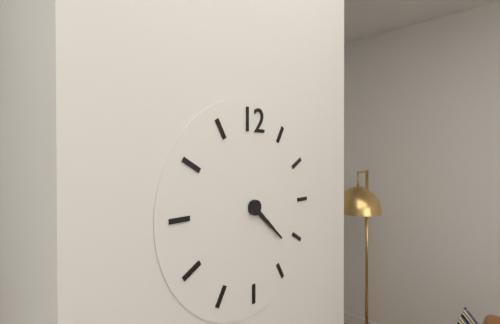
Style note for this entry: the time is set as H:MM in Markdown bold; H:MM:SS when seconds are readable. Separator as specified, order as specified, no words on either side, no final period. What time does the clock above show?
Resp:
**4:22**
